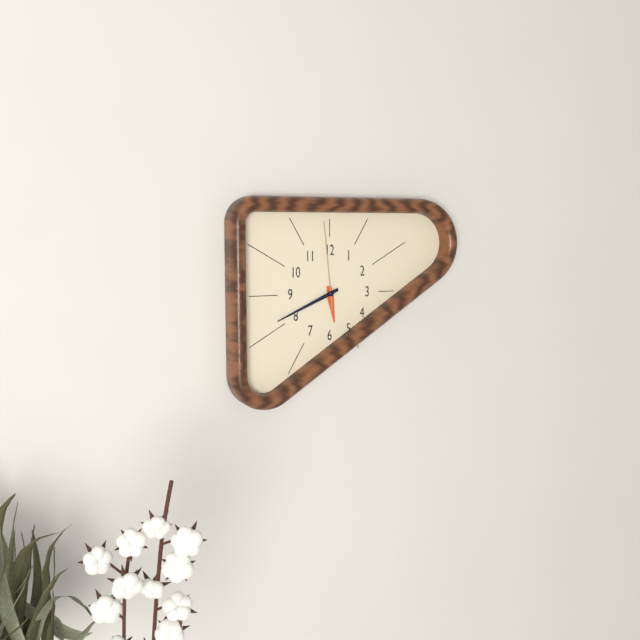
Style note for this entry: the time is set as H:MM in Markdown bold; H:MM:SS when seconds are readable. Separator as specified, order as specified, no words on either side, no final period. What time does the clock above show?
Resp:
**5:41:59**
